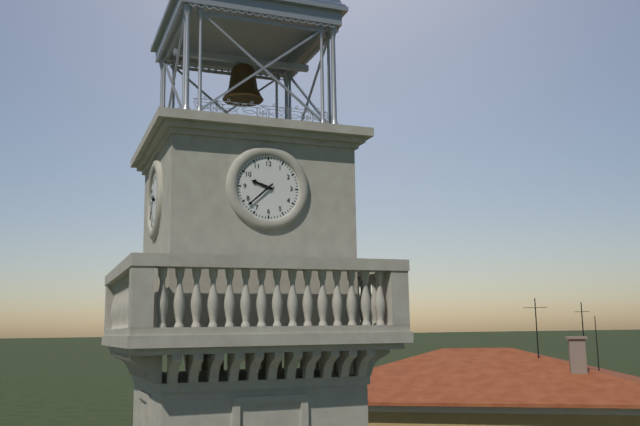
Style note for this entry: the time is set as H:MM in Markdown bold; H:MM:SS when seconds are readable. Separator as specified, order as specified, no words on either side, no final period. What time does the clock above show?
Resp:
**9:38**
